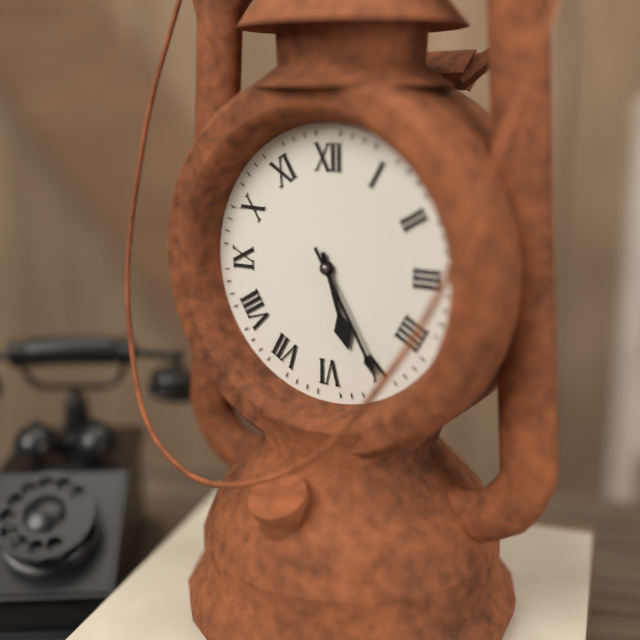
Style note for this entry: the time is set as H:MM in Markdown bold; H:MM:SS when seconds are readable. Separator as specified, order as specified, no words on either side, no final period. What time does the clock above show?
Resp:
**5:25**
